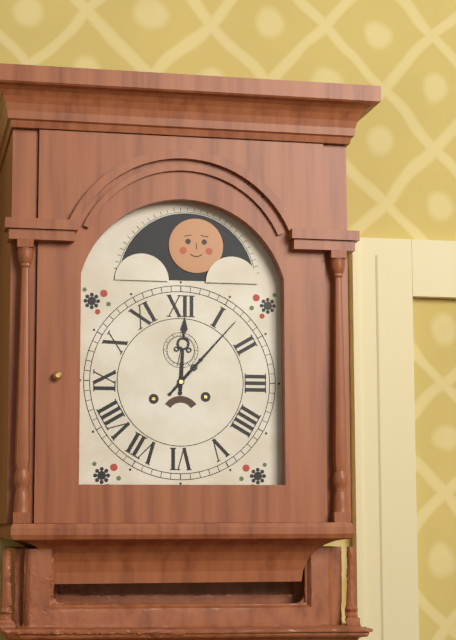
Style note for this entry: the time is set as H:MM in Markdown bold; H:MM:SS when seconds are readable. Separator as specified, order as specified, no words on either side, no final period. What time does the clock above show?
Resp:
**12:07**
